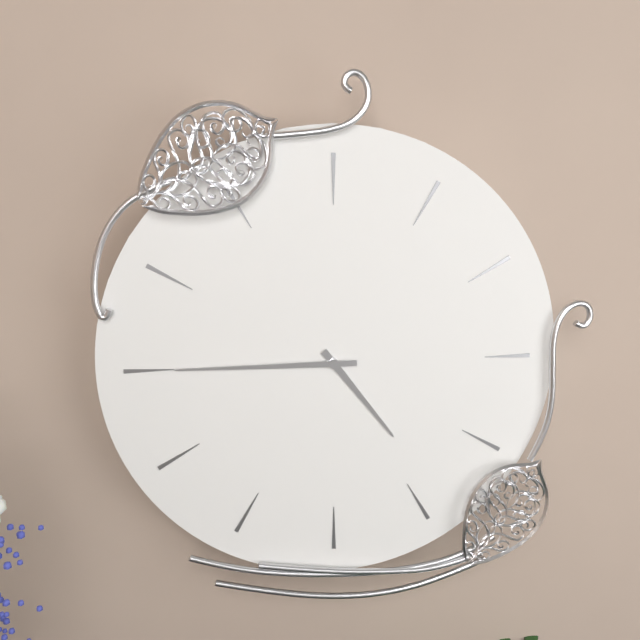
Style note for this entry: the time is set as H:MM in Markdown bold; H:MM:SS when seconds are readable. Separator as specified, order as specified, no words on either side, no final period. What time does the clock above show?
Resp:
**4:45**
